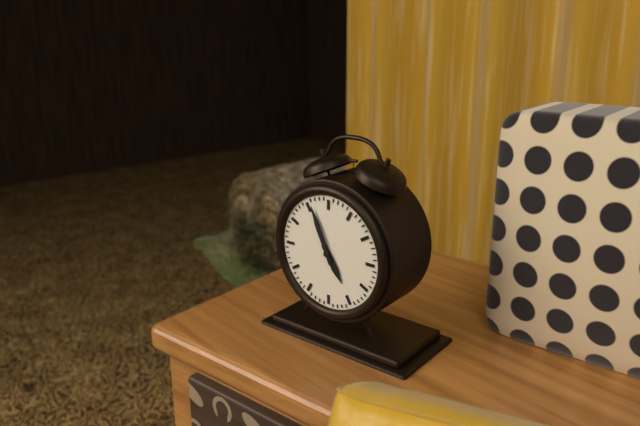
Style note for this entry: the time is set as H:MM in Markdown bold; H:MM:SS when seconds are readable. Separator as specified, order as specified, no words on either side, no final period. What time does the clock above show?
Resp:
**4:56**
